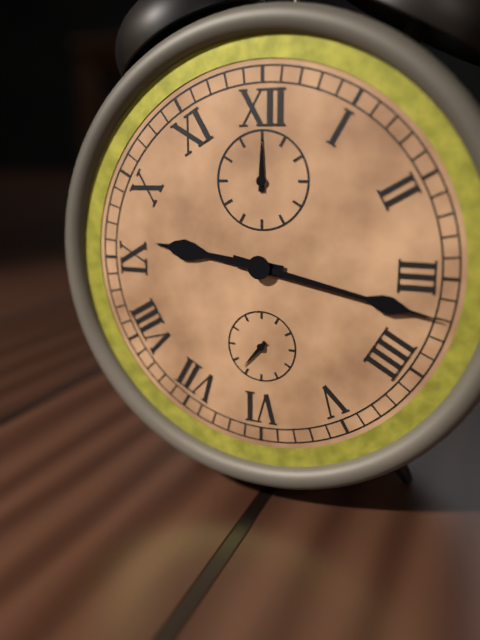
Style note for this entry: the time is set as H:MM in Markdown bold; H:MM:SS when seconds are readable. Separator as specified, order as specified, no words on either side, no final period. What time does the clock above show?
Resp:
**9:17**
